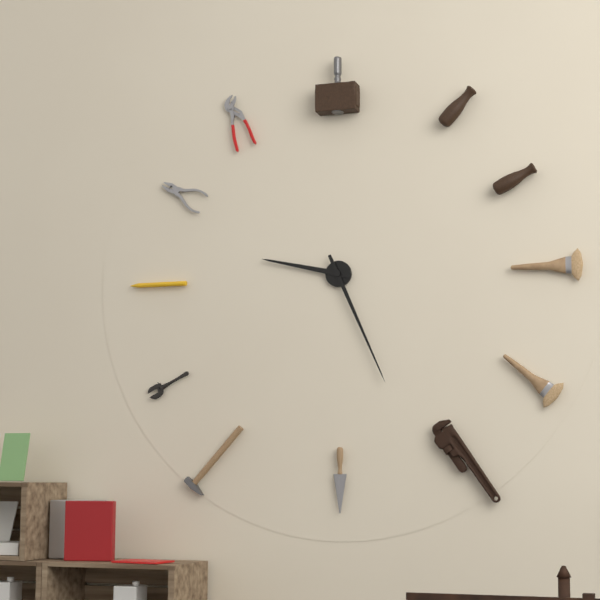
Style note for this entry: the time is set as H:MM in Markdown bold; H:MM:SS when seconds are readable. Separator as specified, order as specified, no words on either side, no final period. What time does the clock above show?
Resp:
**9:26**
